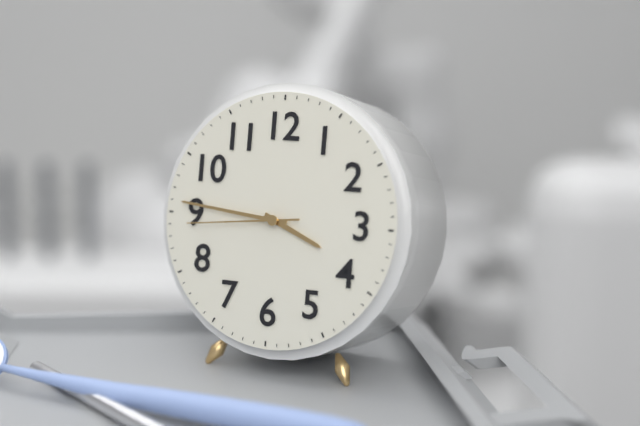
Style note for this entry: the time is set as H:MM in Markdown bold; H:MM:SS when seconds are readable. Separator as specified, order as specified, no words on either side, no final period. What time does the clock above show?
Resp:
**3:46:44**
